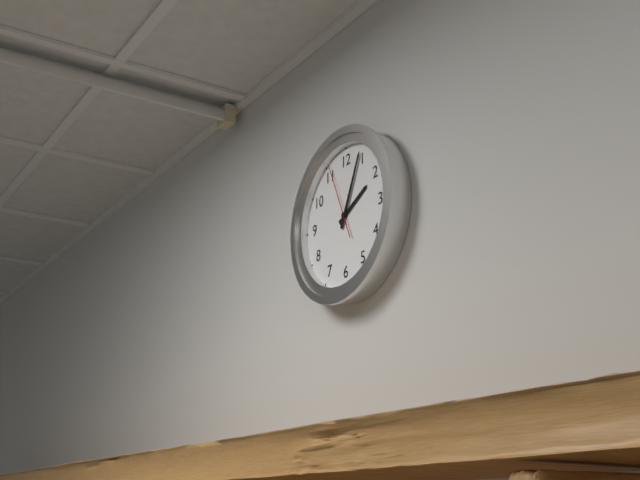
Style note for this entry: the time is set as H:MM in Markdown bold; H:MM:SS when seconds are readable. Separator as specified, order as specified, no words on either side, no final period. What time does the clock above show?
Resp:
**2:04:56**
